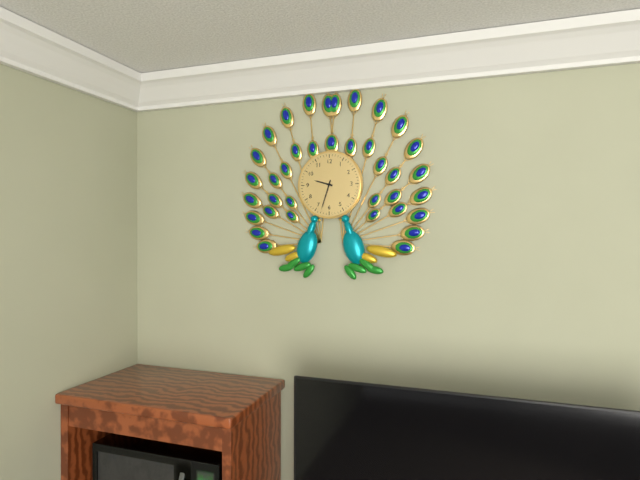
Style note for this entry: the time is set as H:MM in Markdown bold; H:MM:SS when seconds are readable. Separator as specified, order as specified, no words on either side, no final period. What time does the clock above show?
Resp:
**9:33**
